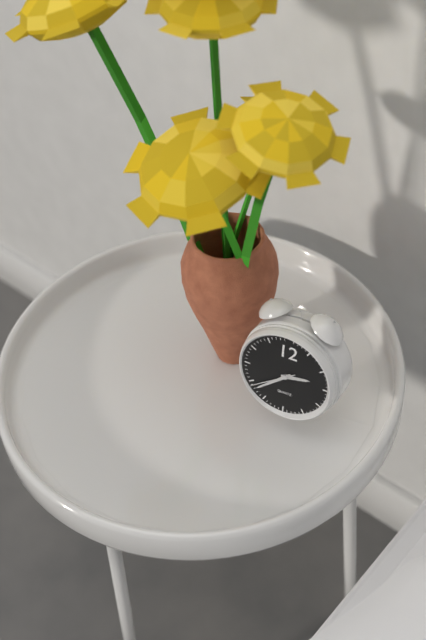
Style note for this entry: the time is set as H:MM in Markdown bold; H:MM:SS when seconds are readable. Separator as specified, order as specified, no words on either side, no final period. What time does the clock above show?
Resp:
**2:38**
